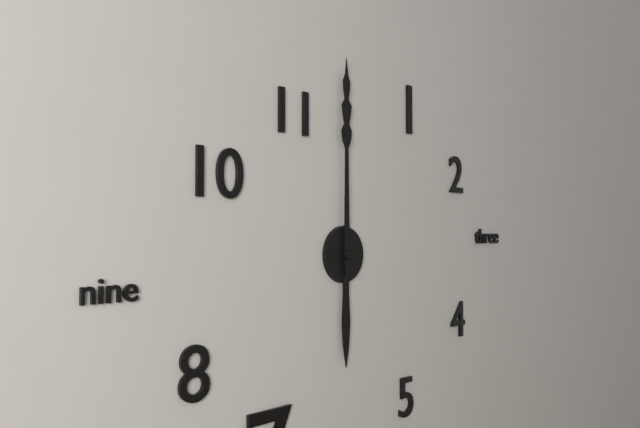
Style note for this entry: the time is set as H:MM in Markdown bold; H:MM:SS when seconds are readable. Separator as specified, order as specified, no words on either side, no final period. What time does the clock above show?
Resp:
**6:00**
